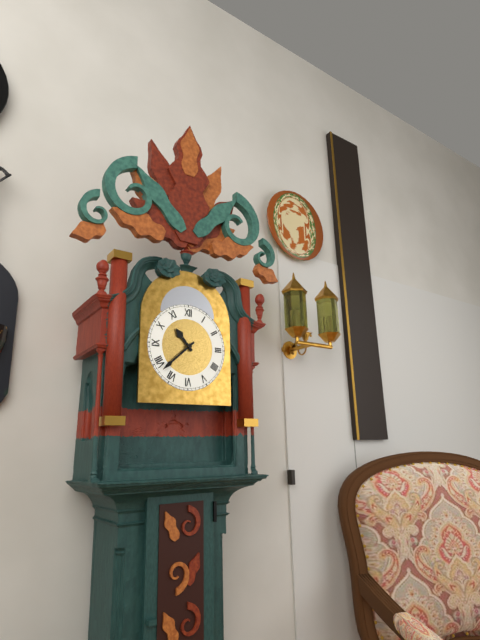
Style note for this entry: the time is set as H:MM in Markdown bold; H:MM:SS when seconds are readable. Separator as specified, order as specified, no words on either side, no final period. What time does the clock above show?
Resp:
**10:38**
